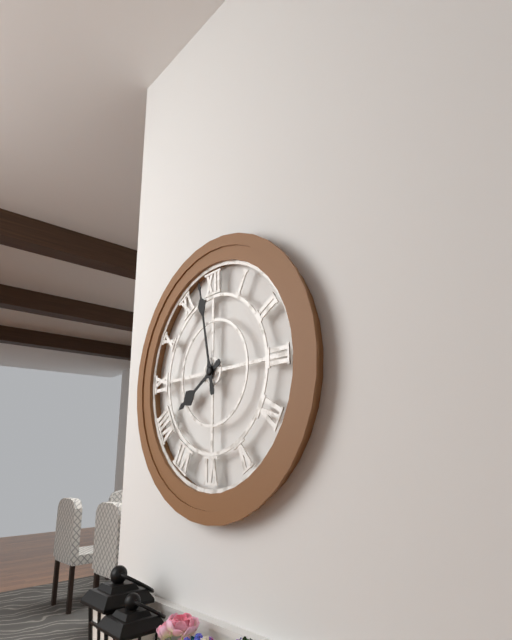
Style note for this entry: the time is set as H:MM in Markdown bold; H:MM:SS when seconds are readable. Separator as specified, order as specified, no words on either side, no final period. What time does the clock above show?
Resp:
**7:58**
